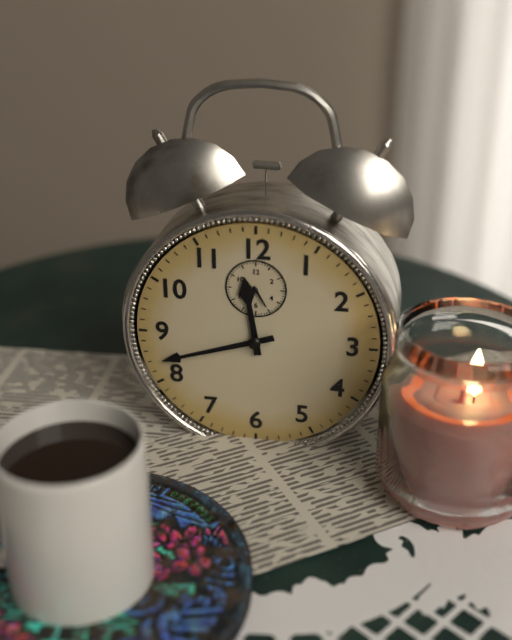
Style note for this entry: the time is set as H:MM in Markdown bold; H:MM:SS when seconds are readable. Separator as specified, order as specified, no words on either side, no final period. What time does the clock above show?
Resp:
**11:42**
